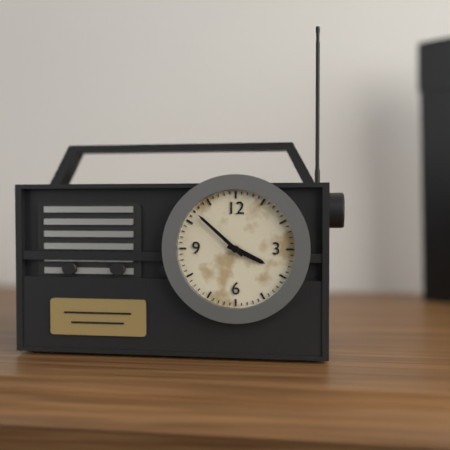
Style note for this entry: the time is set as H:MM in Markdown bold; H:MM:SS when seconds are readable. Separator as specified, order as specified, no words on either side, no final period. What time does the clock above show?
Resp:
**3:52**
